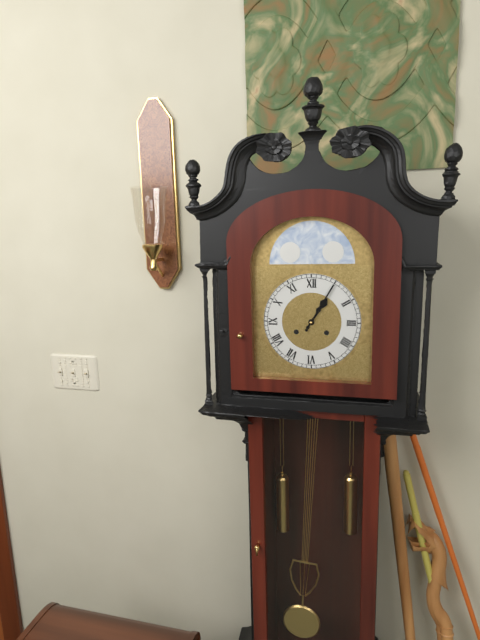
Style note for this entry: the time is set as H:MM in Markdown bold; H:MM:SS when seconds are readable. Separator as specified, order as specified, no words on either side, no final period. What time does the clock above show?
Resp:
**1:05**
